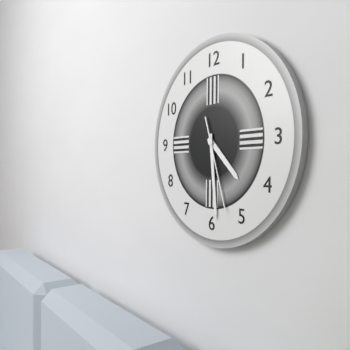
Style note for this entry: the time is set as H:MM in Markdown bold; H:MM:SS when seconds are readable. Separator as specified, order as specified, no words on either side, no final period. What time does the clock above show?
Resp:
**4:29:27**
